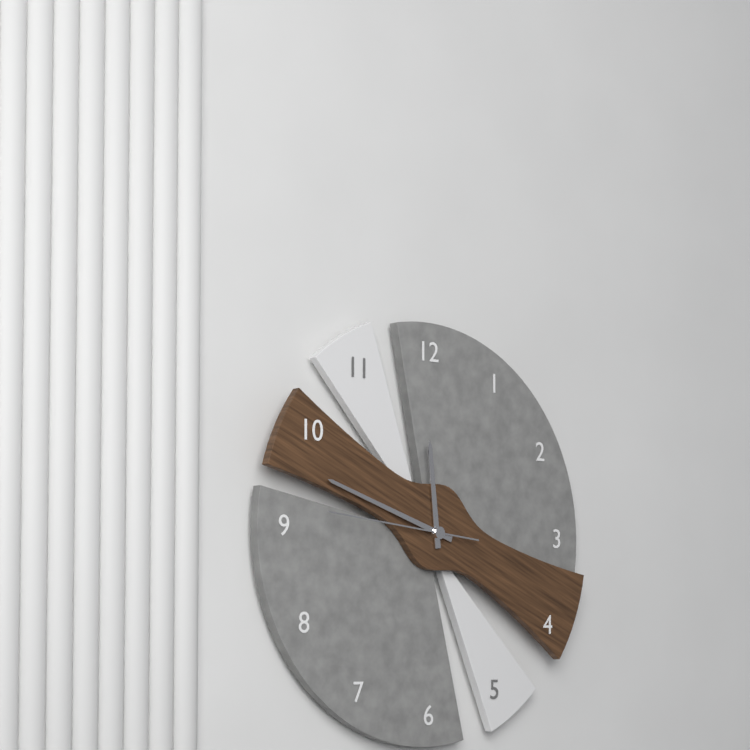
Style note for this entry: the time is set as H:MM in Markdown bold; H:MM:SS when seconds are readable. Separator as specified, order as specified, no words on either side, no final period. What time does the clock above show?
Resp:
**11:48:46**
